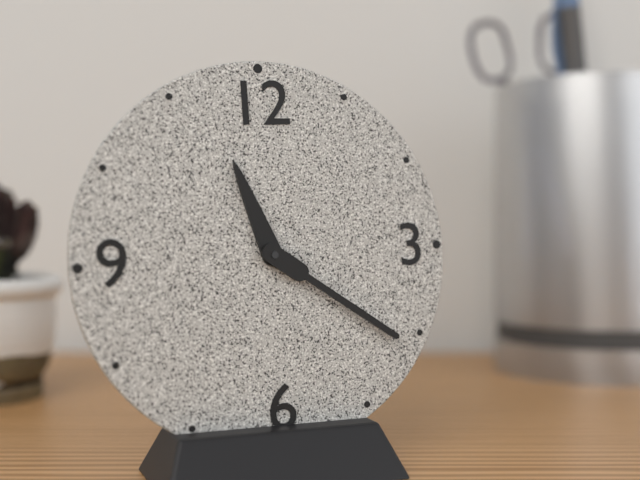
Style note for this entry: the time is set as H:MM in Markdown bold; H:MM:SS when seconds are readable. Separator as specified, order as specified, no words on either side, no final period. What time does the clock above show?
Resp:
**11:21**
